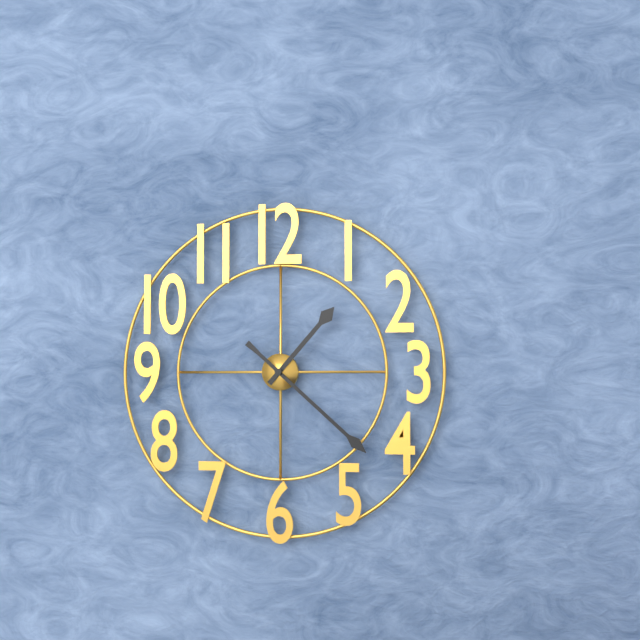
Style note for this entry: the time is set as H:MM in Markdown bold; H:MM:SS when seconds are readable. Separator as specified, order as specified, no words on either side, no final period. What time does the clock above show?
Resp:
**1:22**
